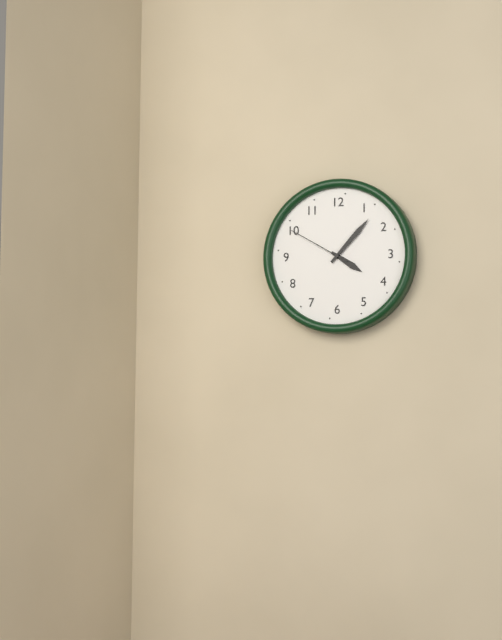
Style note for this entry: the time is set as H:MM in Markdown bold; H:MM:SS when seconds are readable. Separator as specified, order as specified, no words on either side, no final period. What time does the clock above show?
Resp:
**4:07:50**
